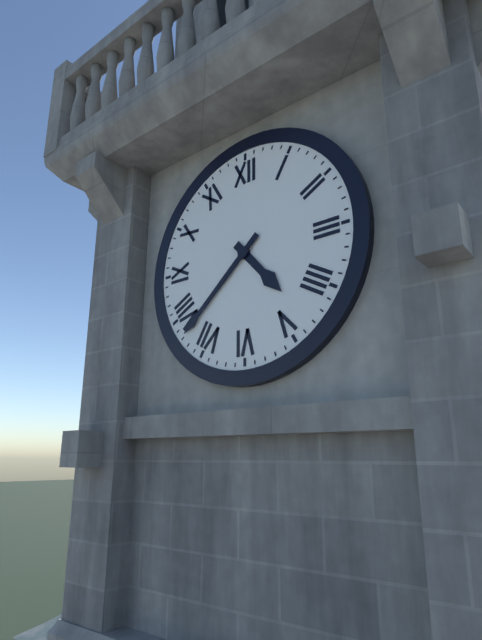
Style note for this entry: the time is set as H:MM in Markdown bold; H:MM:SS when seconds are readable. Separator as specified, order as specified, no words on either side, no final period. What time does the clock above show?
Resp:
**4:38**
